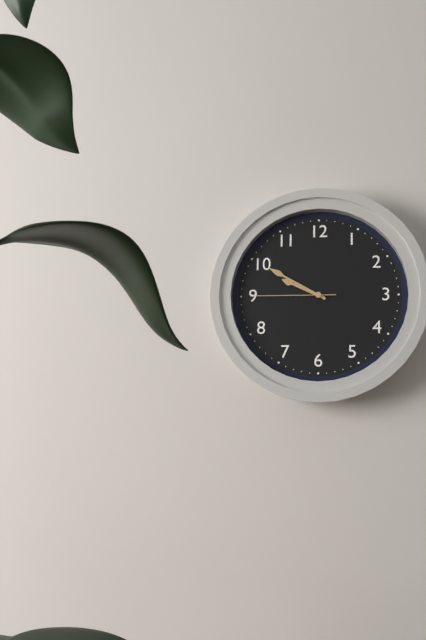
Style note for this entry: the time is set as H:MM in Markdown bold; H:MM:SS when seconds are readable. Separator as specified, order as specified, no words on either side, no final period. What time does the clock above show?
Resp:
**9:50:45**
